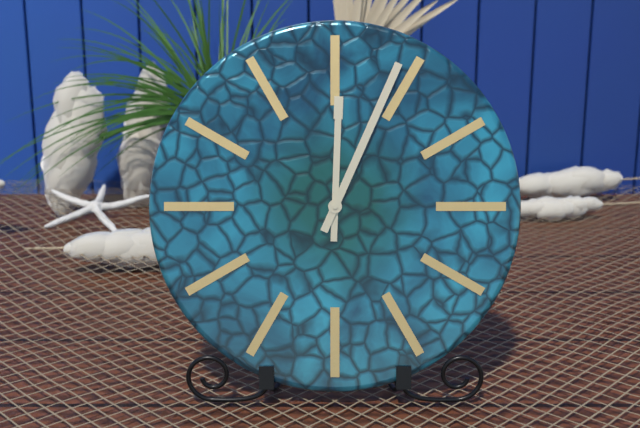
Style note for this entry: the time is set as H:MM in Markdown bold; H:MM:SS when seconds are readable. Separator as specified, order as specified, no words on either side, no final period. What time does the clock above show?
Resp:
**12:04**
